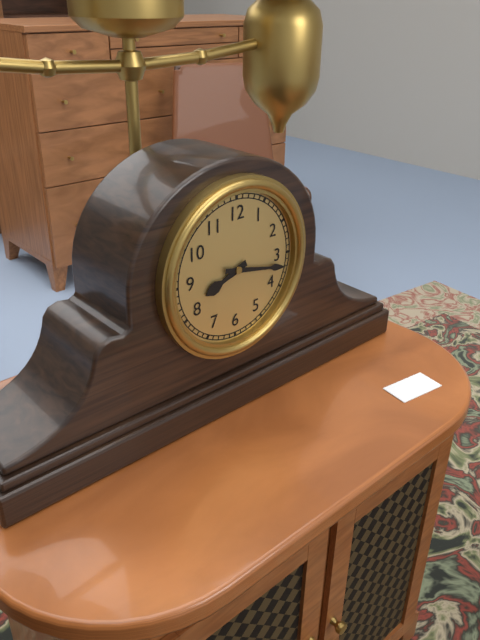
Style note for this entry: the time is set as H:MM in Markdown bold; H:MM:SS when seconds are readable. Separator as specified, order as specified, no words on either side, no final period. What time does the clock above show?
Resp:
**8:17**
